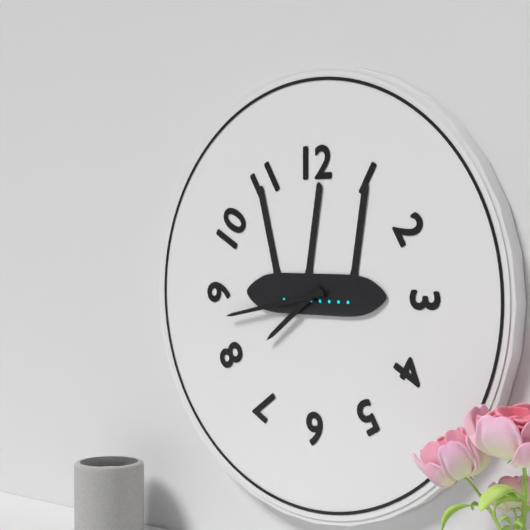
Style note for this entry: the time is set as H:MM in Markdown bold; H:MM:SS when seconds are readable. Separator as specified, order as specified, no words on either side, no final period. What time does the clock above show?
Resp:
**7:43**
